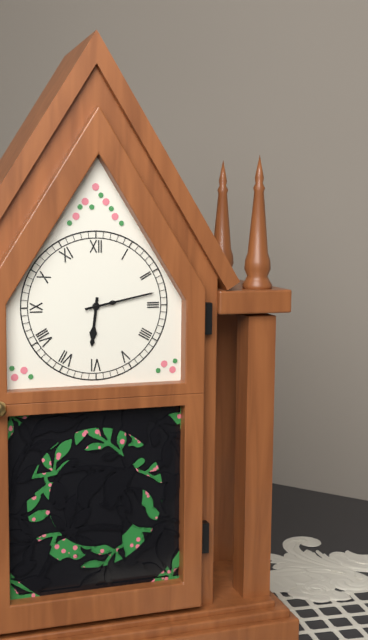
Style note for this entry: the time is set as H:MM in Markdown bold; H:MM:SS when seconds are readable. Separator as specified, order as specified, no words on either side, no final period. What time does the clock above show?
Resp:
**6:13**
